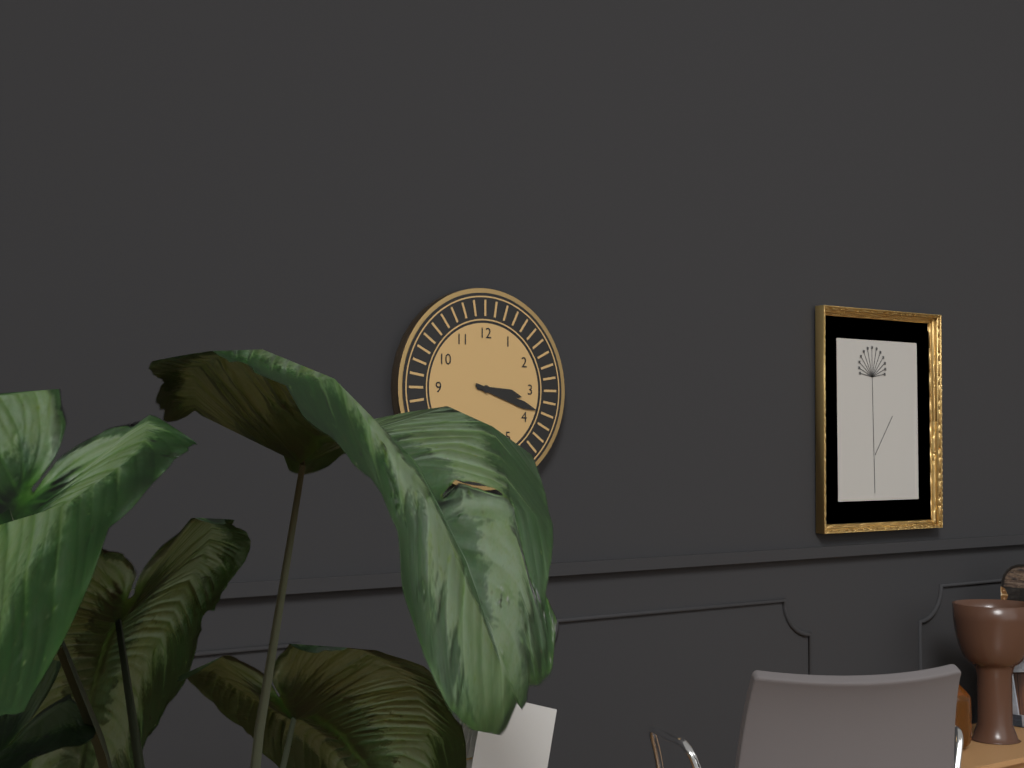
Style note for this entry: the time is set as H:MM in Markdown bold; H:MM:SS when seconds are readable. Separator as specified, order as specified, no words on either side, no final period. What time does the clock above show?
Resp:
**3:18**
